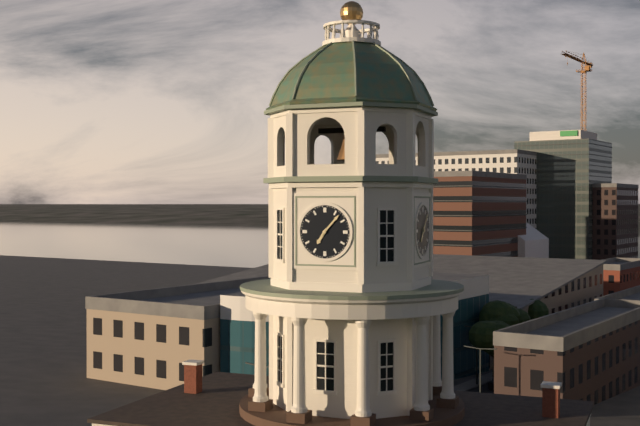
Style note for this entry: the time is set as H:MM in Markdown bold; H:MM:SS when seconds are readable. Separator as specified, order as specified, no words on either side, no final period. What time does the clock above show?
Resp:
**7:07**
